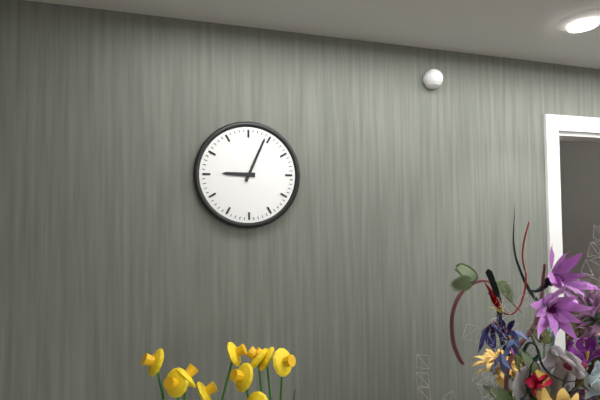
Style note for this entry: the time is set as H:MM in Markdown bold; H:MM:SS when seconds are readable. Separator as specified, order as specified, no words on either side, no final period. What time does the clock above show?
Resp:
**9:04**
